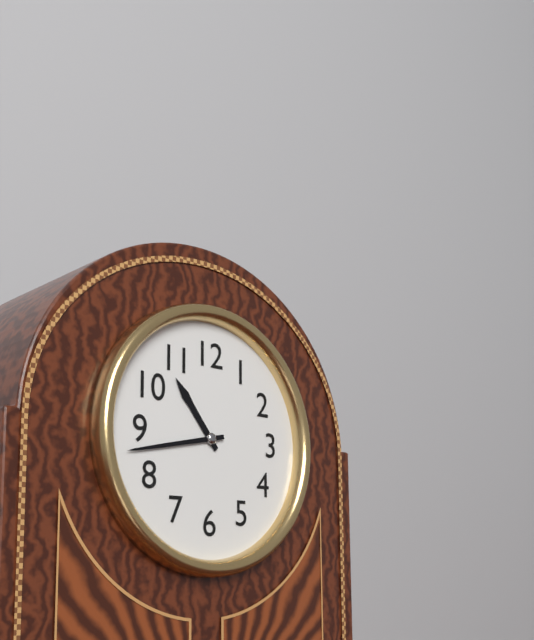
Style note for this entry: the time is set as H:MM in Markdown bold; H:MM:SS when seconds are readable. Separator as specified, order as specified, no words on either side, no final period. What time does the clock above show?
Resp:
**10:43**
